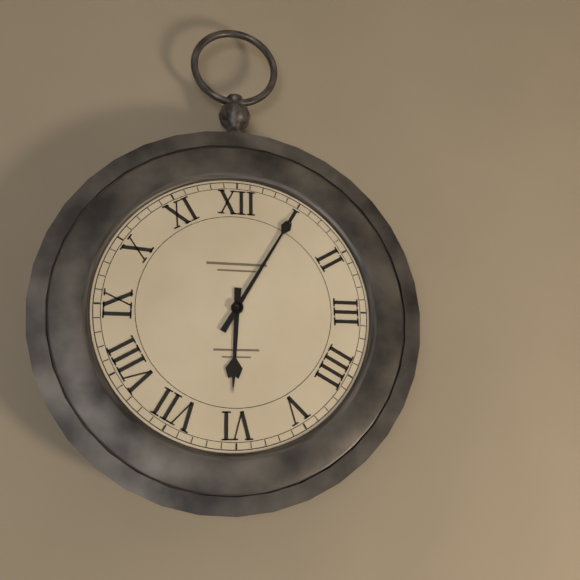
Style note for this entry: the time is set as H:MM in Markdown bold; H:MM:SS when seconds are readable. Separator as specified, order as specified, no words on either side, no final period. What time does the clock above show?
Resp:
**6:05**
